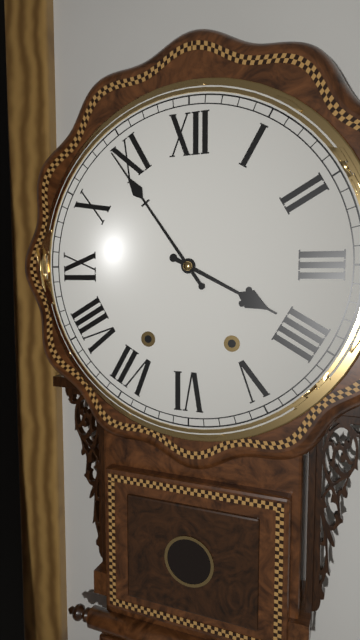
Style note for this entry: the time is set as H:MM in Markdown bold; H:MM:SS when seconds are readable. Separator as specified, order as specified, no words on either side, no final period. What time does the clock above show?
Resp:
**3:54**
